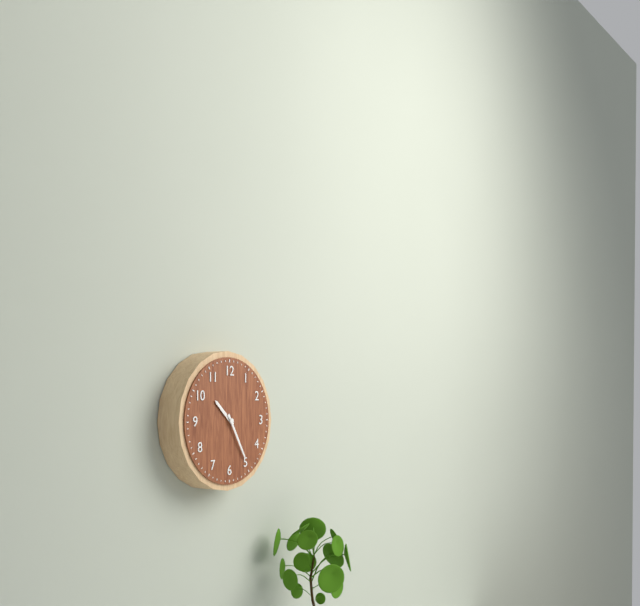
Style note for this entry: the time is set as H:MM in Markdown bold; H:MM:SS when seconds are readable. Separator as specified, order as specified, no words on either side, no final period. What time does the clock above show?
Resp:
**10:25**
